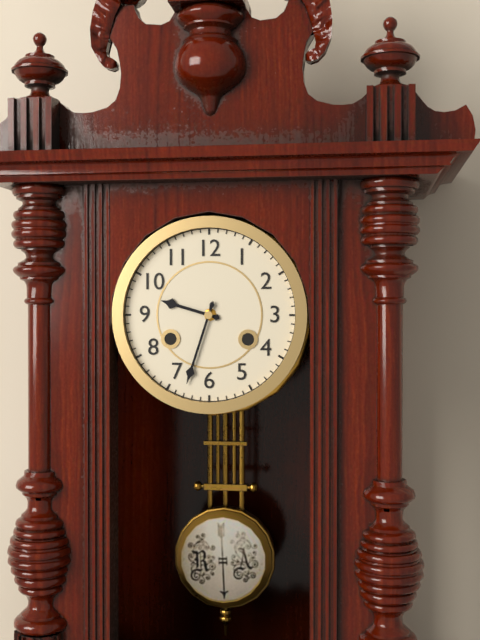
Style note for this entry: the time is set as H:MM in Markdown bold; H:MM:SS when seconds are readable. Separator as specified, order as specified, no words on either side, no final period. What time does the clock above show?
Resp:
**9:33**
